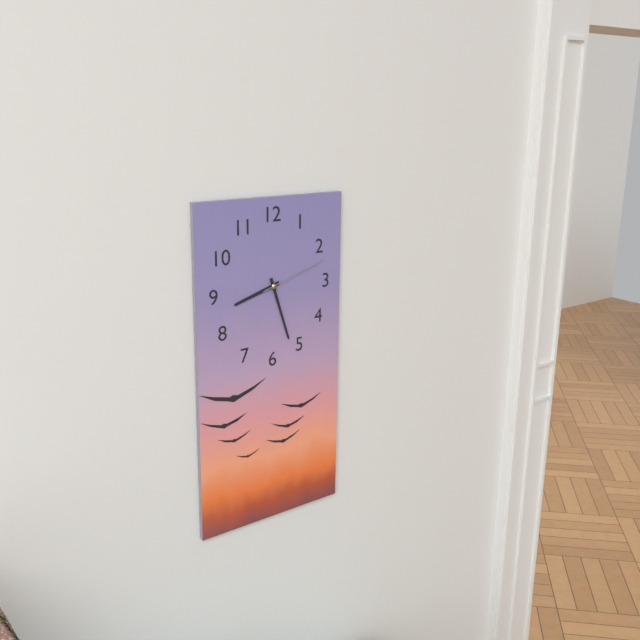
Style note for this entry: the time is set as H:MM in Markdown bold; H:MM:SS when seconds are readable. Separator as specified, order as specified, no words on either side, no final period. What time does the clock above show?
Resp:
**8:27:12**
